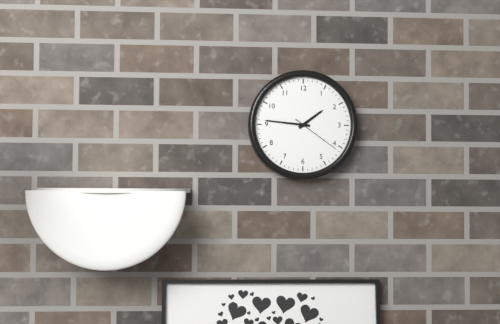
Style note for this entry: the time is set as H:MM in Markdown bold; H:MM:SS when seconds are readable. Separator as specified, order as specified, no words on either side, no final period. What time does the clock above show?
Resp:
**1:46:21**
